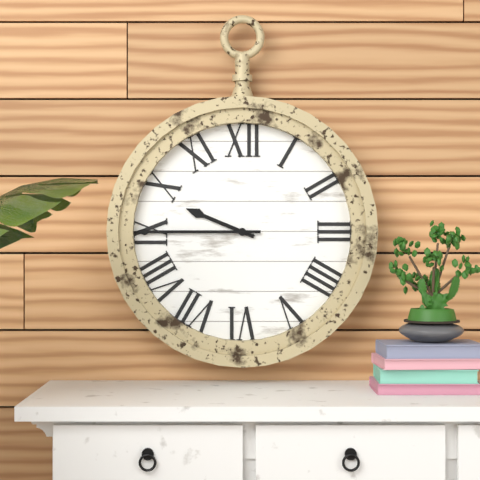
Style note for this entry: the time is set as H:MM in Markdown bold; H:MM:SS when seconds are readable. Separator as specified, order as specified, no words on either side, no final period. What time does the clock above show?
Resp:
**9:45**
